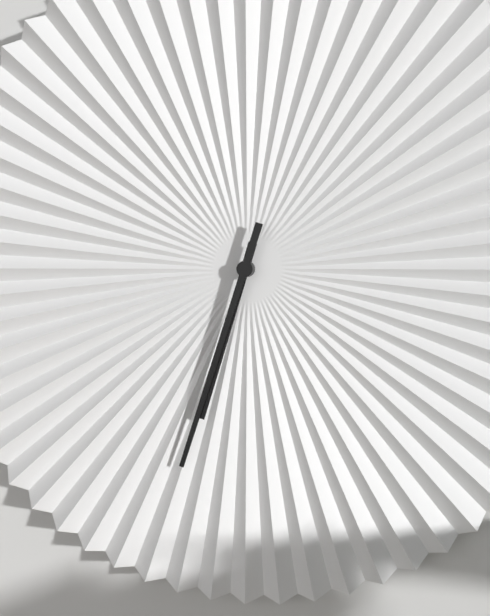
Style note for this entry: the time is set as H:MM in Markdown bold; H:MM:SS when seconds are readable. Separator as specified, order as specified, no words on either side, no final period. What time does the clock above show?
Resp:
**6:33**
